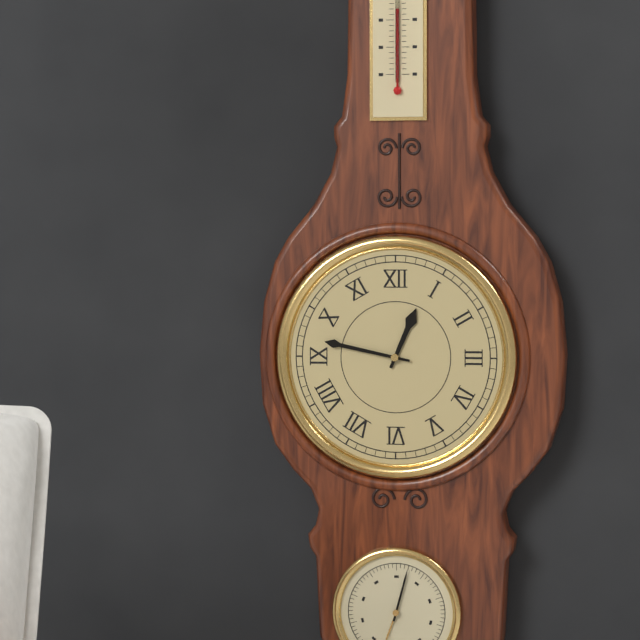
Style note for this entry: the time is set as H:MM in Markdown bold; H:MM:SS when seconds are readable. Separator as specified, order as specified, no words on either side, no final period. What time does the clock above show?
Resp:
**12:47**
